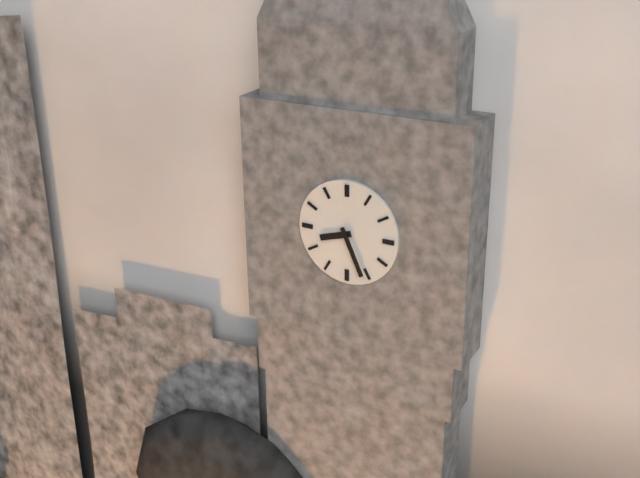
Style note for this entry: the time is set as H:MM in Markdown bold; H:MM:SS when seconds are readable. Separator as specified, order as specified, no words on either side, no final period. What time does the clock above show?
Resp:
**8:26**
